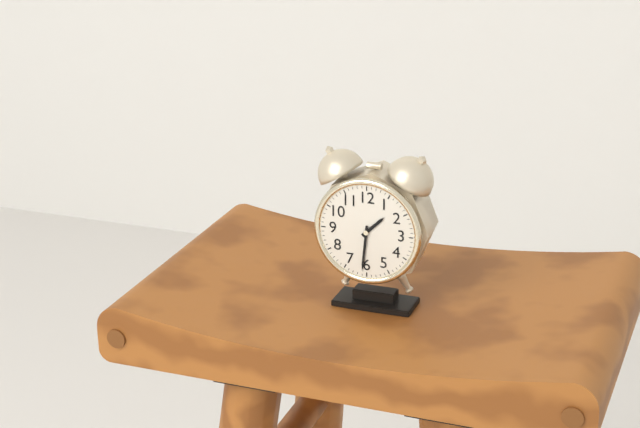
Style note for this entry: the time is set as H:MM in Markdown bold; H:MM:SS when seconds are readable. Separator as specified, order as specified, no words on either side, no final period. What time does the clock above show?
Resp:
**1:31**
